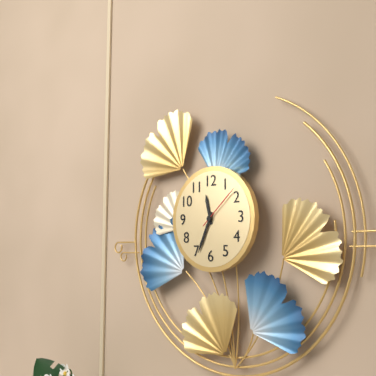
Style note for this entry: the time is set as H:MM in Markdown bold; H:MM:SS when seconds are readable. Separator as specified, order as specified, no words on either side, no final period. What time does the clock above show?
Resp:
**11:34**
